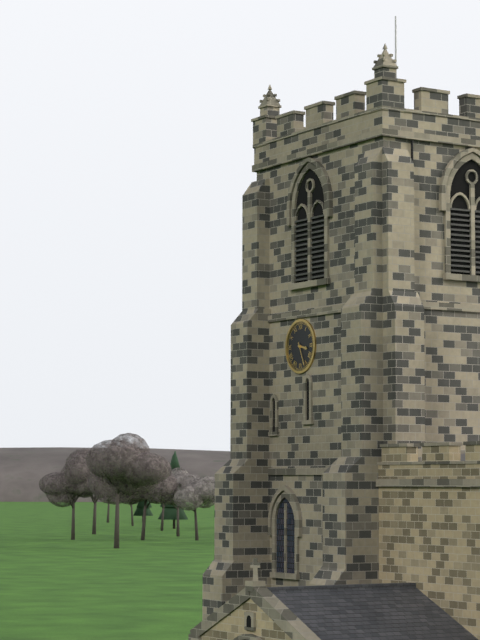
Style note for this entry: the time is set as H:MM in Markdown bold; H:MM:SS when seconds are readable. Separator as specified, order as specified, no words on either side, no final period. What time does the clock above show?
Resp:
**3:26**
